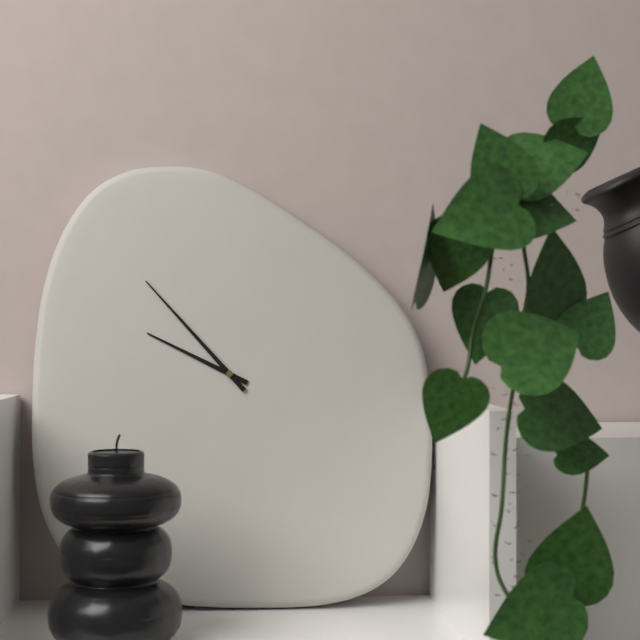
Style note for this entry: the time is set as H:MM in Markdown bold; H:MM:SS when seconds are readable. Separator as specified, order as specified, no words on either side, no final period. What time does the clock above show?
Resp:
**9:53**
